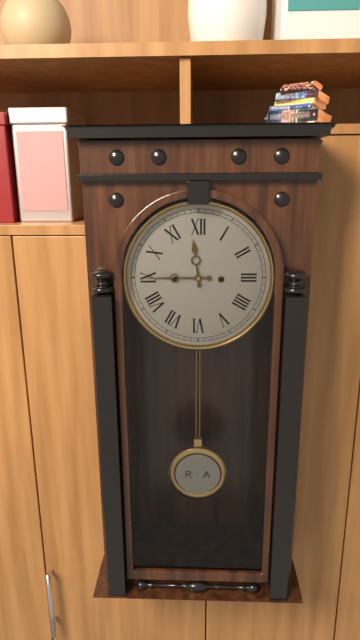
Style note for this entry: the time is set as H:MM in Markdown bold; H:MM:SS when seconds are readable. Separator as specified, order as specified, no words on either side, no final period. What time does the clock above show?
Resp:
**11:45**
